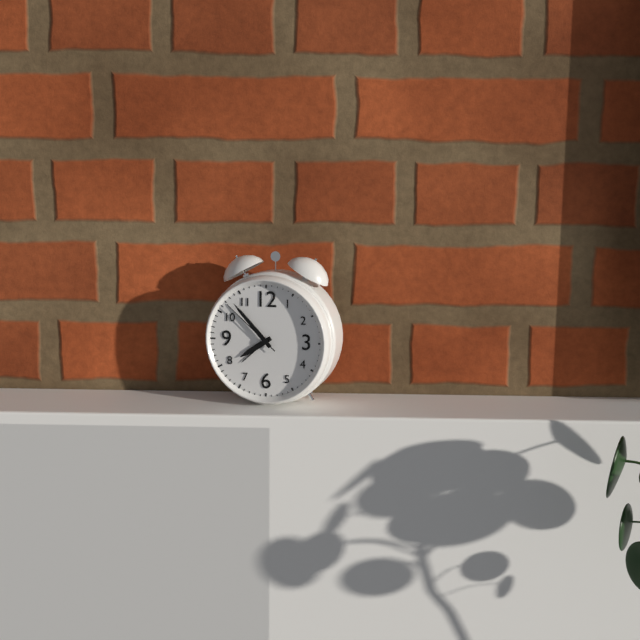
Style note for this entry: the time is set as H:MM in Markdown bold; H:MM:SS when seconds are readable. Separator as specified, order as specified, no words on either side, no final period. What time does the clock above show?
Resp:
**7:53:52**
